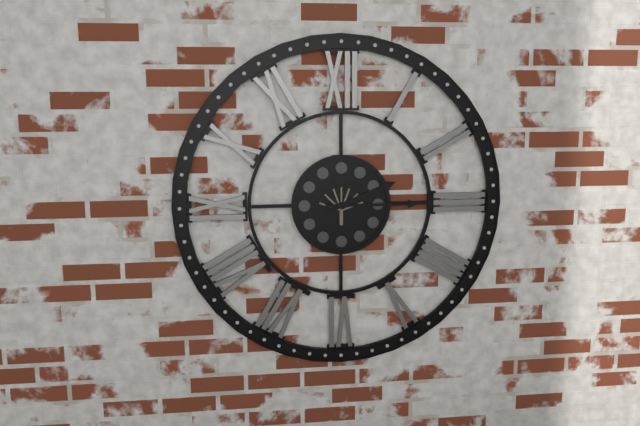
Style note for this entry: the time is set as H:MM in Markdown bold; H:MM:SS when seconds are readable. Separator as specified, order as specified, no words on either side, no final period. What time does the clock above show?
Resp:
**2:15**
